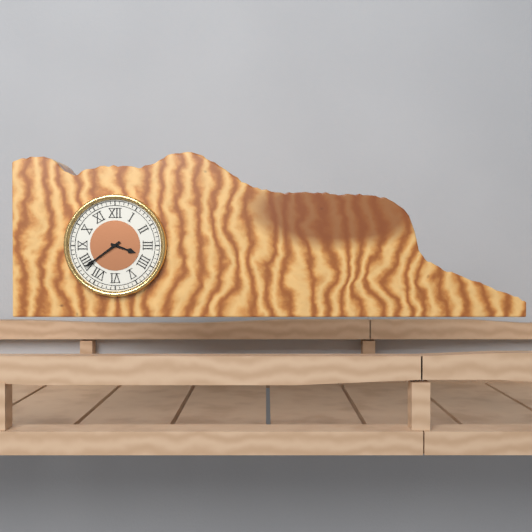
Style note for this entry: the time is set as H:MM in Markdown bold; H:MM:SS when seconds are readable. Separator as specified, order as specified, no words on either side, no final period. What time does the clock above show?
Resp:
**3:39**
